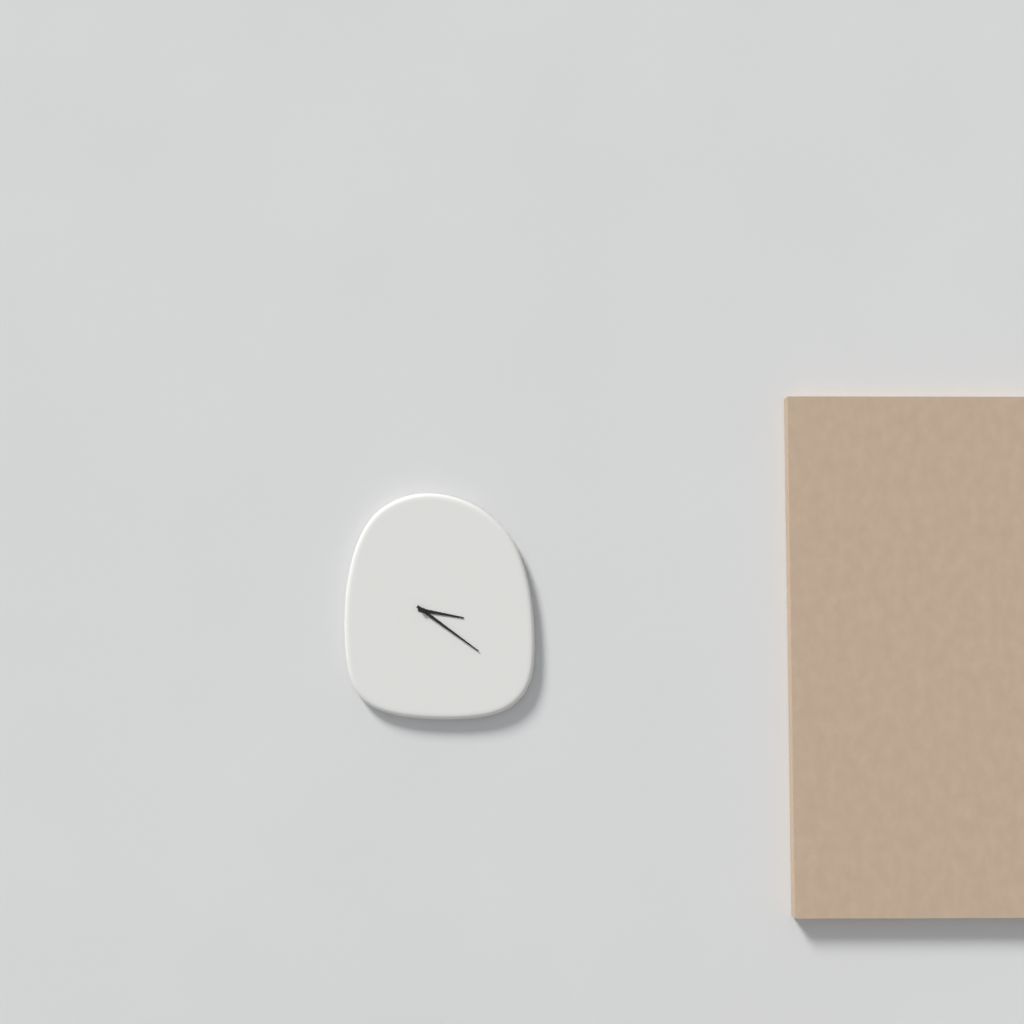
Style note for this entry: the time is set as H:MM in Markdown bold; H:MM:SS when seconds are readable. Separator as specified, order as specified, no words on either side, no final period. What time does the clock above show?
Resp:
**3:21**
